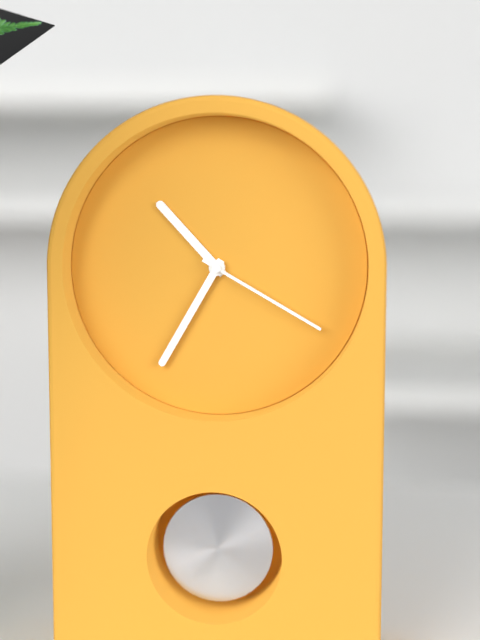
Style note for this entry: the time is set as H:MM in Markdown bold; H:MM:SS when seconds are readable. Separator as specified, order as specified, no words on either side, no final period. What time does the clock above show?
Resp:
**10:35:20**
